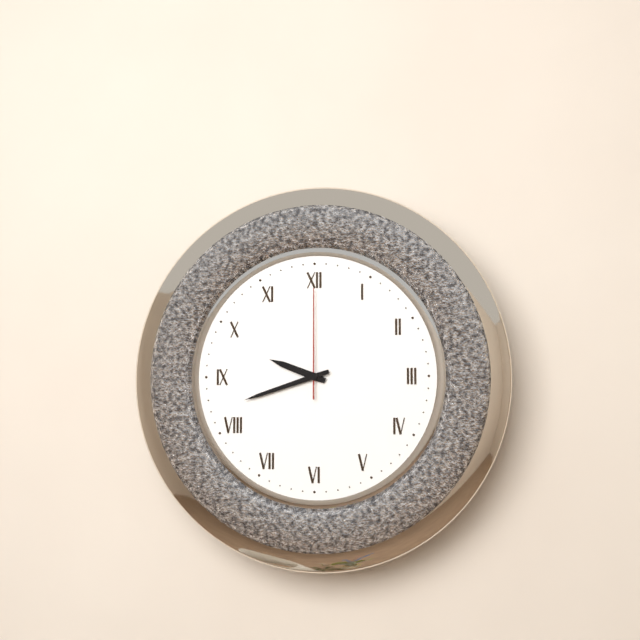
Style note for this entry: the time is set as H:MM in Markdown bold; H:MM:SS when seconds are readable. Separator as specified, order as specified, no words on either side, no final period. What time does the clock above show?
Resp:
**9:42:00**
